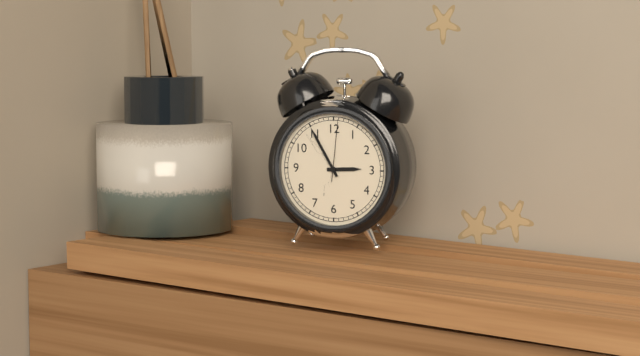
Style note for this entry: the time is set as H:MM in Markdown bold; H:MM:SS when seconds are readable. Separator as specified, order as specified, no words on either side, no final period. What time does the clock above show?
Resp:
**2:55:01**
